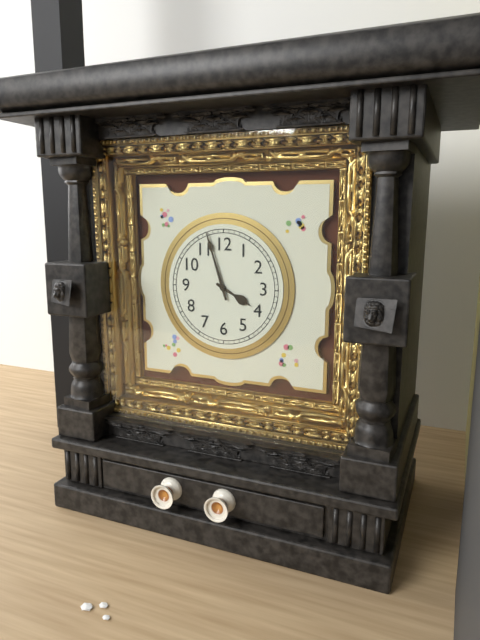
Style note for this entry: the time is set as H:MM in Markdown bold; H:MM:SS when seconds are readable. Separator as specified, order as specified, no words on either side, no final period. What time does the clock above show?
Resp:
**3:57**
